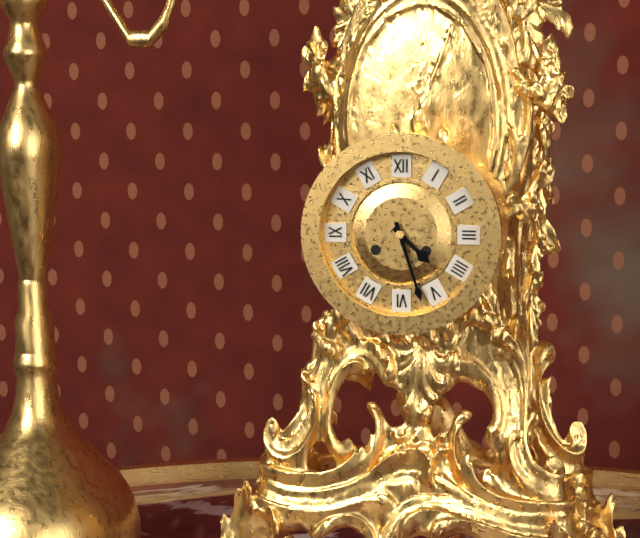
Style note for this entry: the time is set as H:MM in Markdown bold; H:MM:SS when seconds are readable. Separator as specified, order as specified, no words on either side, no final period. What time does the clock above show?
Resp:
**4:27**
